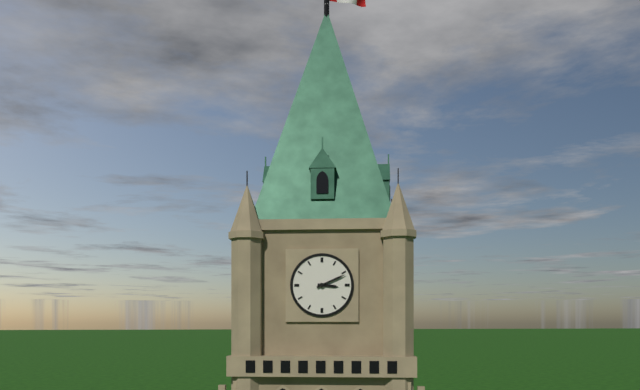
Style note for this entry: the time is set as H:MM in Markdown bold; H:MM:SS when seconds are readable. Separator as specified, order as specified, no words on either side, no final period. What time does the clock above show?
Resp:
**3:11**
